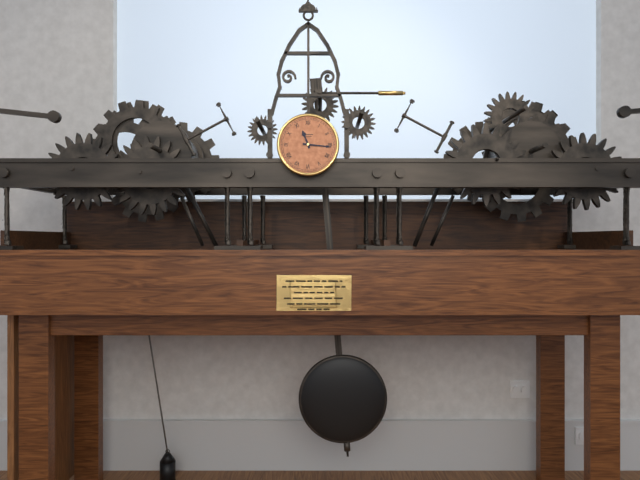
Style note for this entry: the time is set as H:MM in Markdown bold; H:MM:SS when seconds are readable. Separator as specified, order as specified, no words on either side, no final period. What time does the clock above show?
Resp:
**11:16**
